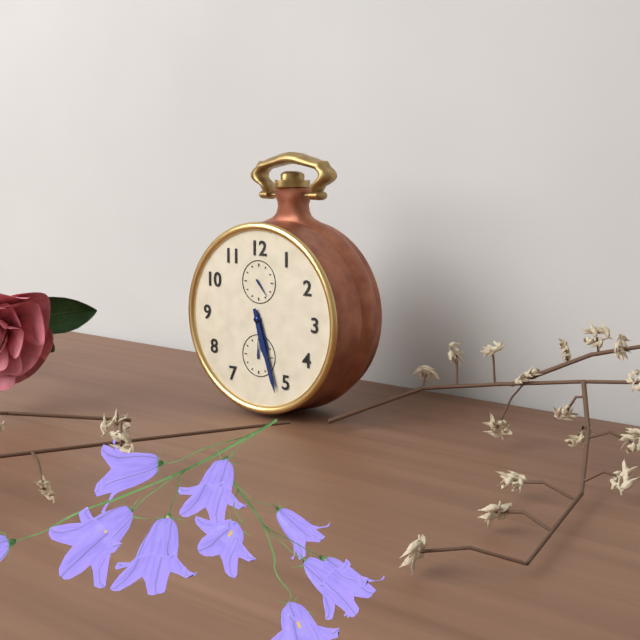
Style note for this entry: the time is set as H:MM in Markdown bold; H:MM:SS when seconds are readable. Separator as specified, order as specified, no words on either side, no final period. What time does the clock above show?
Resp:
**5:27**
